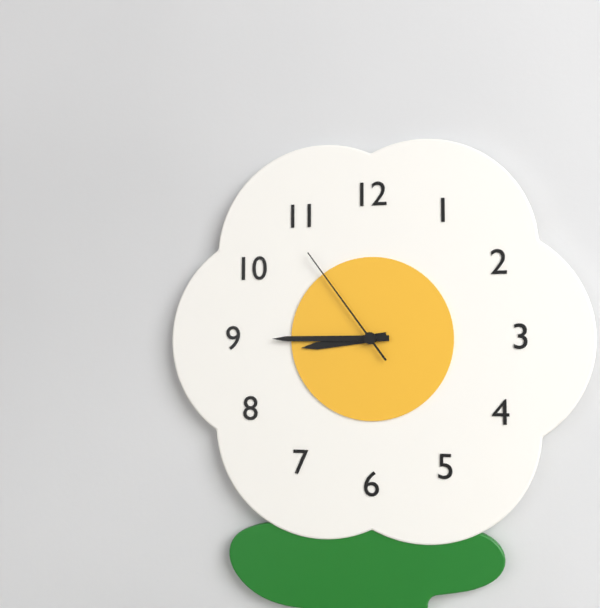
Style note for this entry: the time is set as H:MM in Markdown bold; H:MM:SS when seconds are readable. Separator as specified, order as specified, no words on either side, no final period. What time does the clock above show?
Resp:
**8:45:54**
